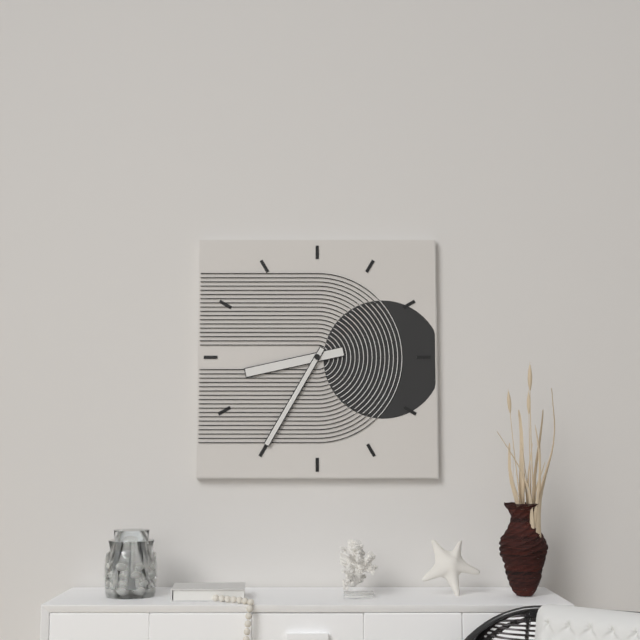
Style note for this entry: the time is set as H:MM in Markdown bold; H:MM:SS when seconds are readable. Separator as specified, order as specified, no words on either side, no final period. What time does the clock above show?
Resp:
**8:35**
